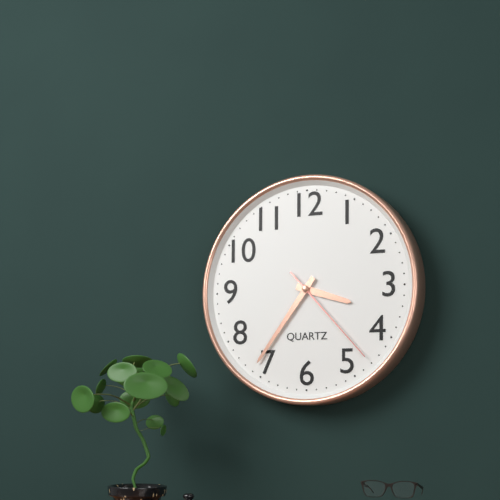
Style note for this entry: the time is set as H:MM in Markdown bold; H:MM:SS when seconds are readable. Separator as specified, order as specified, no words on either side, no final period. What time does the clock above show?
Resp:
**3:36:23**
